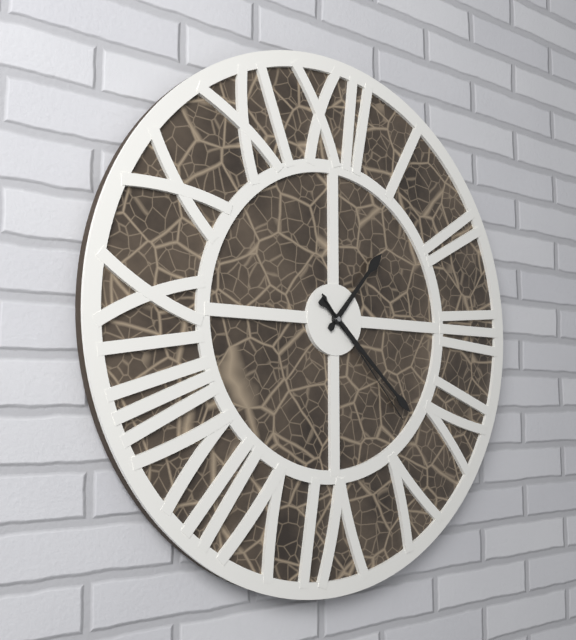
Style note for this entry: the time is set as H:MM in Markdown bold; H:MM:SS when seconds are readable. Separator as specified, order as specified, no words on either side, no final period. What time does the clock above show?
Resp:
**1:22:23**
